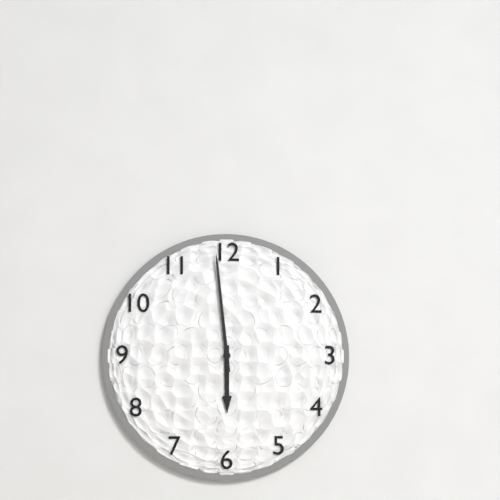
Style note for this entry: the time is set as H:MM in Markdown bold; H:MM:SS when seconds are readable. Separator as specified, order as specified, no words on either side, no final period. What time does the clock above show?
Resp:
**5:59**
